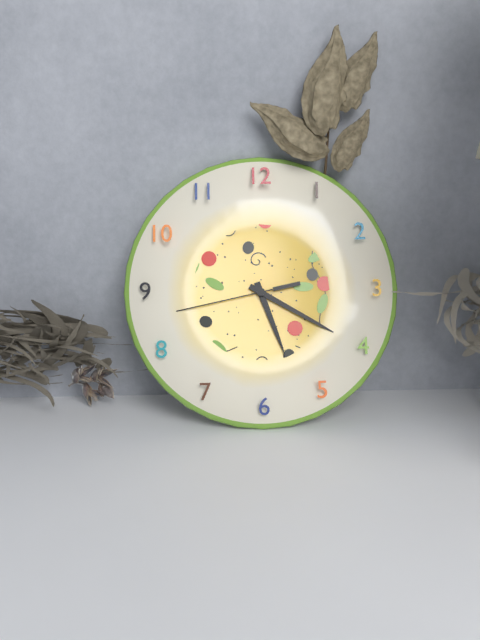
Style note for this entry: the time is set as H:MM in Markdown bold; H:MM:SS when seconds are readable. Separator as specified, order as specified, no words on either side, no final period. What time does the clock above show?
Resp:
**5:20:43**
